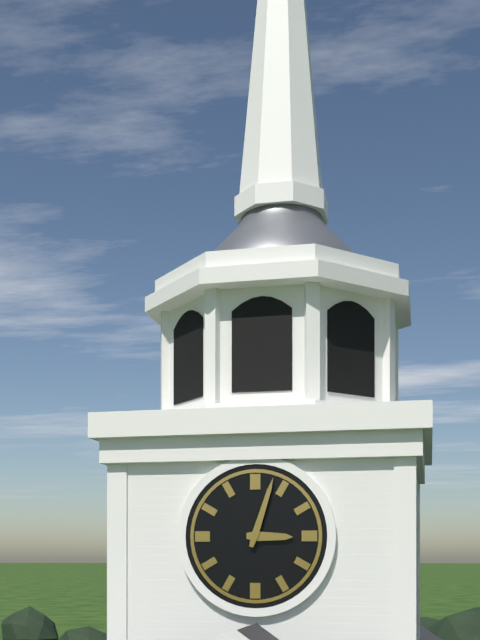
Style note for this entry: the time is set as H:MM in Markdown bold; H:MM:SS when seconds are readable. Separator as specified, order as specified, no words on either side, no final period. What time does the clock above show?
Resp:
**3:03**
